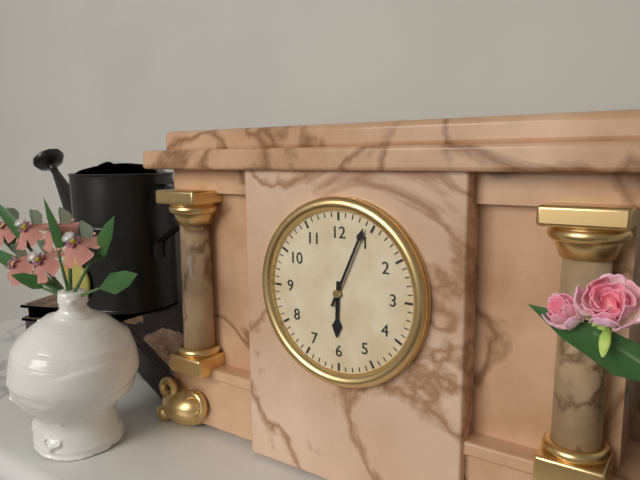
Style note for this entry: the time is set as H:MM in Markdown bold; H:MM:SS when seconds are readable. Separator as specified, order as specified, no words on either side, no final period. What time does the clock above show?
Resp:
**6:04**
